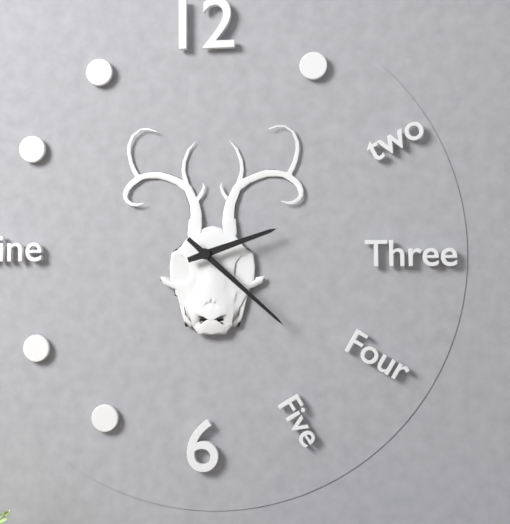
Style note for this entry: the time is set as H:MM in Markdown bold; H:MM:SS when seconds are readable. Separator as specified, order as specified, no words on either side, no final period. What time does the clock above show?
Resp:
**2:22**
